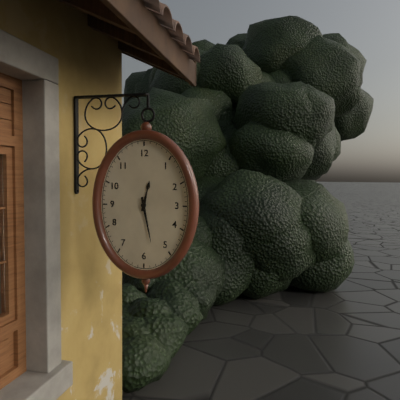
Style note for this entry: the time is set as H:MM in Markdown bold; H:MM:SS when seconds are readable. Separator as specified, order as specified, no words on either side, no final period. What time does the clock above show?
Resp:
**12:28**
